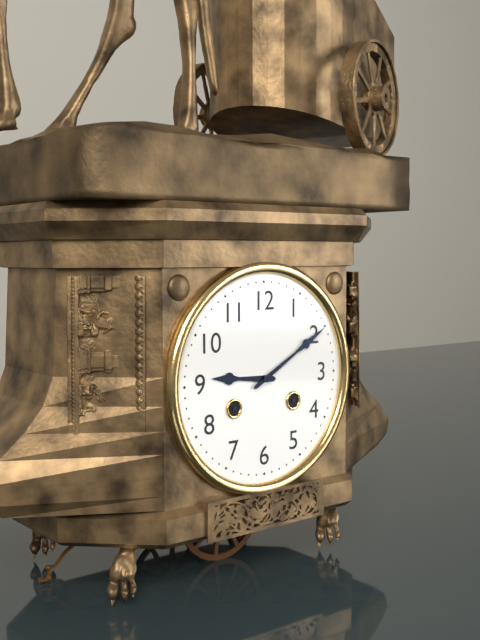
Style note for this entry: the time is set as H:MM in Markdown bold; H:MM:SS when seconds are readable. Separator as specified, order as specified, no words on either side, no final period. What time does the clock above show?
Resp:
**9:10**
